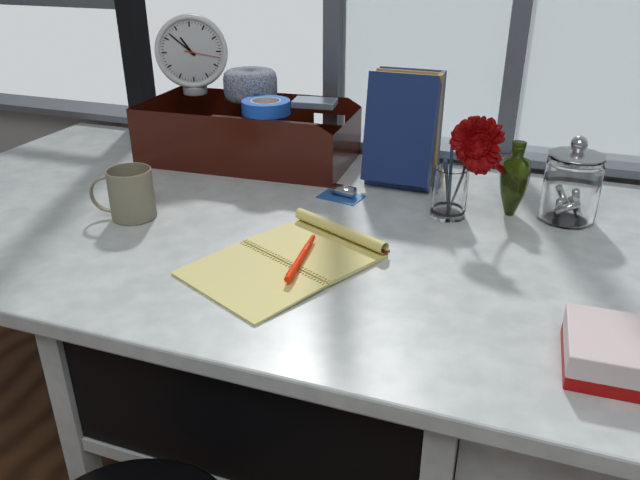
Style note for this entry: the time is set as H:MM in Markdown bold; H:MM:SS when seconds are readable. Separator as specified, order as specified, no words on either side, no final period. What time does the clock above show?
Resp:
**10:52**
